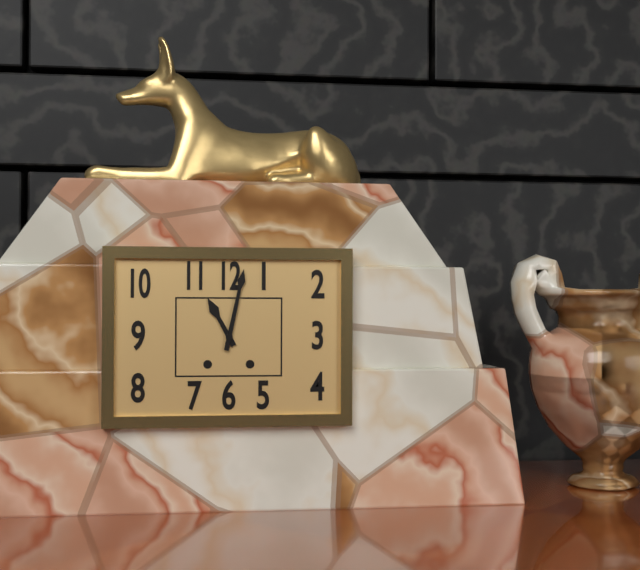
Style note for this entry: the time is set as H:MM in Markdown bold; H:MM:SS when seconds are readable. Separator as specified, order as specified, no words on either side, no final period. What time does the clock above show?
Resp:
**11:02**
